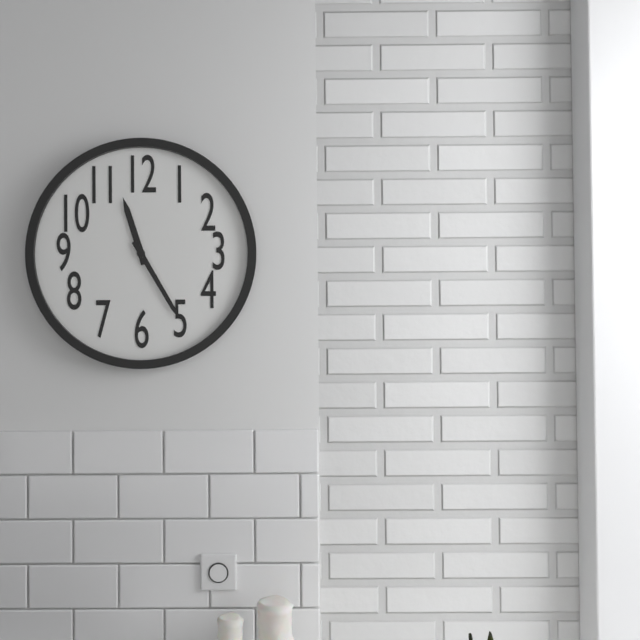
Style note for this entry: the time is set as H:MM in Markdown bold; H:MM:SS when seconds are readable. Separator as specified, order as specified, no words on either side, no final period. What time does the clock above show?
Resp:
**11:25**
